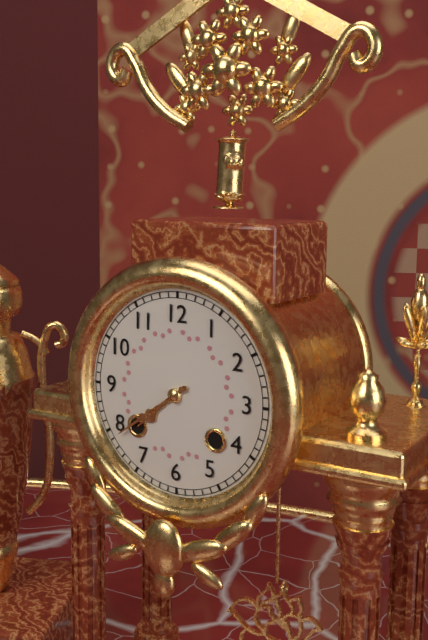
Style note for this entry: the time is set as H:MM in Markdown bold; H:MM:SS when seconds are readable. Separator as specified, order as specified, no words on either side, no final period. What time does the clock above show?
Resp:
**7:39**
